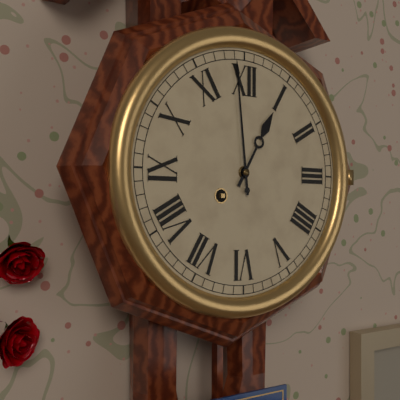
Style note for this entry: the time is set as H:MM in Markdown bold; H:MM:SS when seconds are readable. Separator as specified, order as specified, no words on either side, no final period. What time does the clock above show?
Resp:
**12:59**
